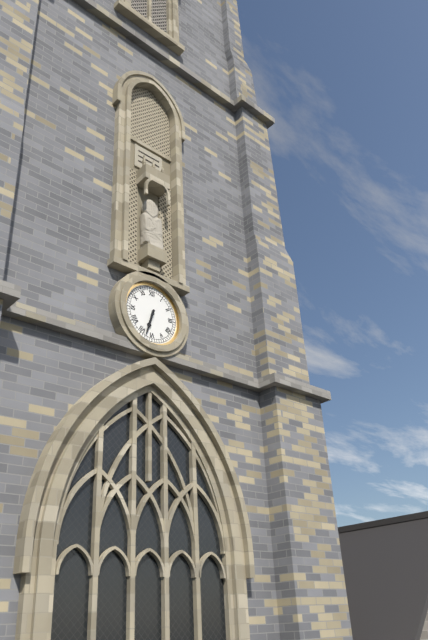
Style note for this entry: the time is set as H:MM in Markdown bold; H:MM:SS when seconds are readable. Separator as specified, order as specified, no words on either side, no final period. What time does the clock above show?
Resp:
**6:33**
